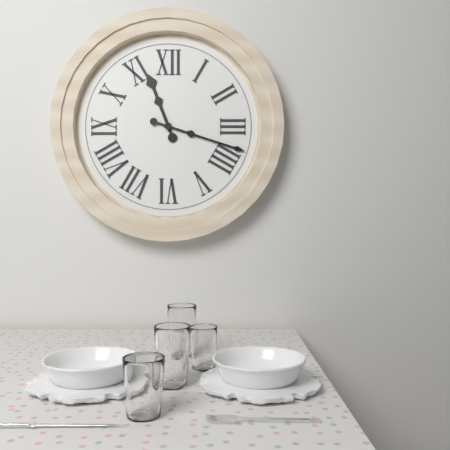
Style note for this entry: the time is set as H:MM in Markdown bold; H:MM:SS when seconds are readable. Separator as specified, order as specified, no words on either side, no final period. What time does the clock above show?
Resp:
**11:18**
